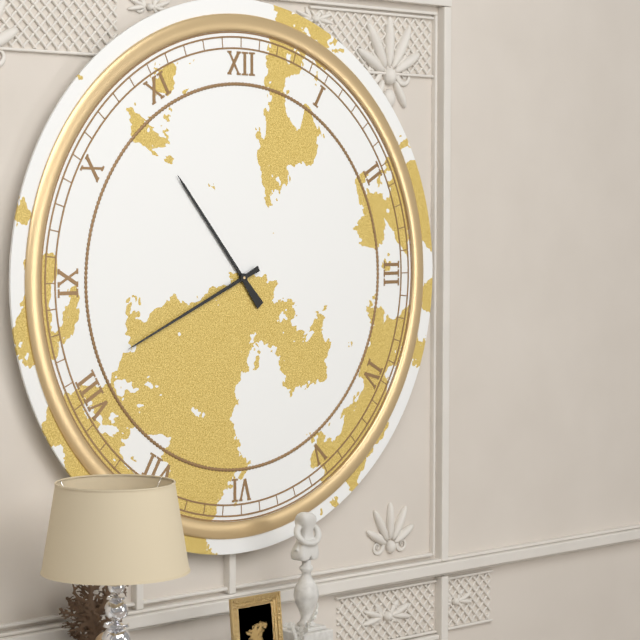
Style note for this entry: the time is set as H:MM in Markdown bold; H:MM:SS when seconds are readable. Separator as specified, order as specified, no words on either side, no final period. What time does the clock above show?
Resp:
**10:41**
